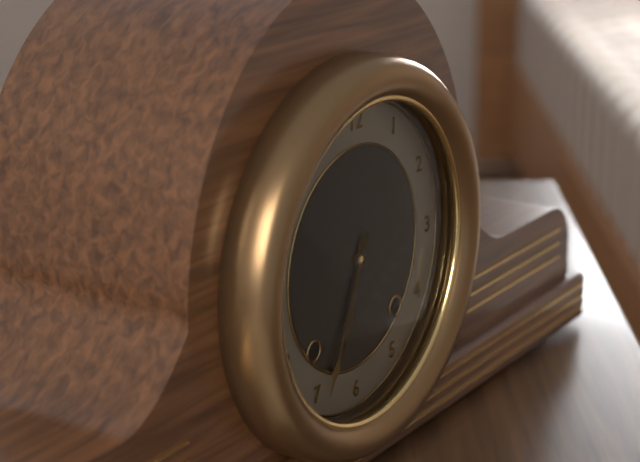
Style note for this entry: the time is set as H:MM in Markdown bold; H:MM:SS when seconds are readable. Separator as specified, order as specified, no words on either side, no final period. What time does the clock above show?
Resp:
**6:34**
